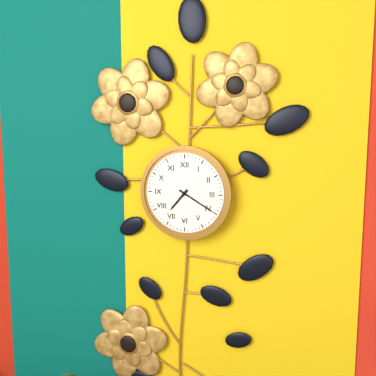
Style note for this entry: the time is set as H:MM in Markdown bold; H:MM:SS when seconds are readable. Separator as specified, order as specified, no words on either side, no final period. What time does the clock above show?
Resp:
**7:20**
